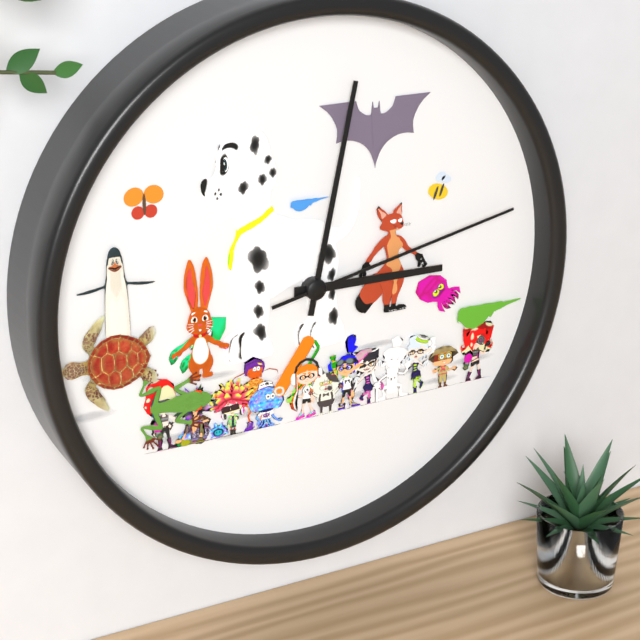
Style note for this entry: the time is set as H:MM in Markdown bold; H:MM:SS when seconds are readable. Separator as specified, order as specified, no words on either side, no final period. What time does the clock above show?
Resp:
**3:02:13**
